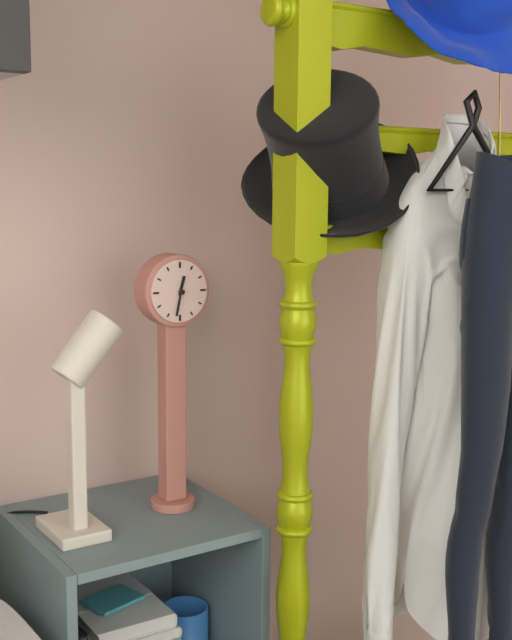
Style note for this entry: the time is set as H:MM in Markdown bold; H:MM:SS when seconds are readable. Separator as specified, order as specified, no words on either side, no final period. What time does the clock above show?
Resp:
**12:32**
